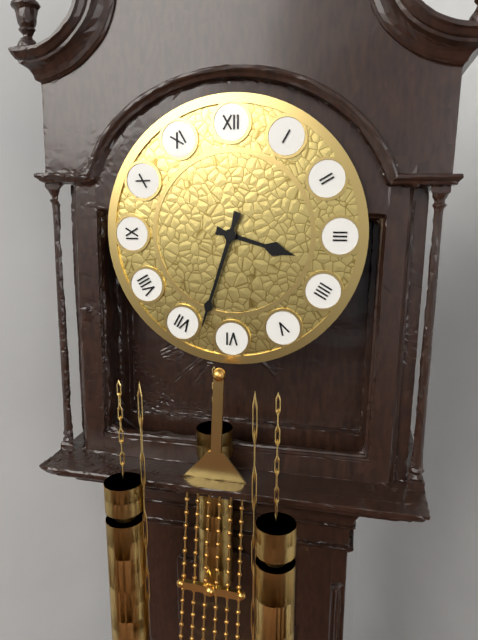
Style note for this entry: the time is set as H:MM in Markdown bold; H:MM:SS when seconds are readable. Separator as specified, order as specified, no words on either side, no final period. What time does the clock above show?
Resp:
**3:33**
